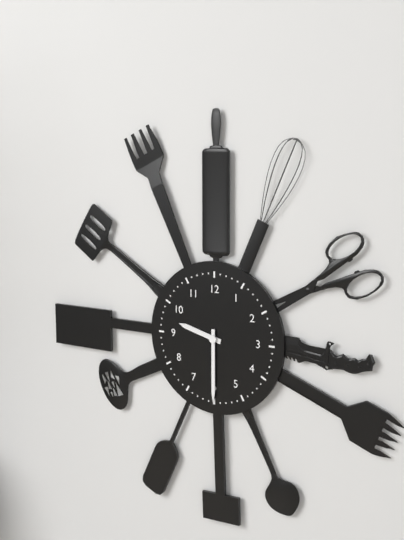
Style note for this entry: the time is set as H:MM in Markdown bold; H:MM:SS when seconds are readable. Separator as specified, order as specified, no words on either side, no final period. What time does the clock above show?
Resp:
**9:30**
